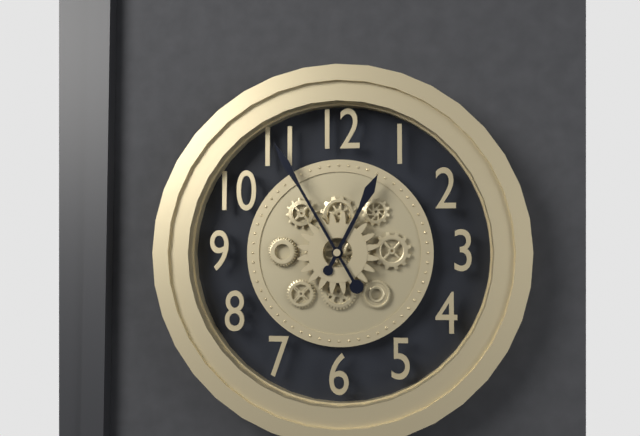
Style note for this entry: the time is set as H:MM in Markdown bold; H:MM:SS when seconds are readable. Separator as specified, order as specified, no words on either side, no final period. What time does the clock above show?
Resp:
**12:55**
